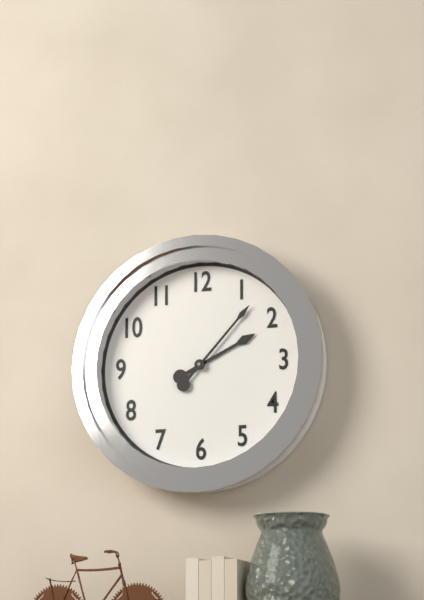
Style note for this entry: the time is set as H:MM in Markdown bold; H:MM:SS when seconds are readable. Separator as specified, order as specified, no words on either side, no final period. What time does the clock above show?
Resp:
**2:07**
